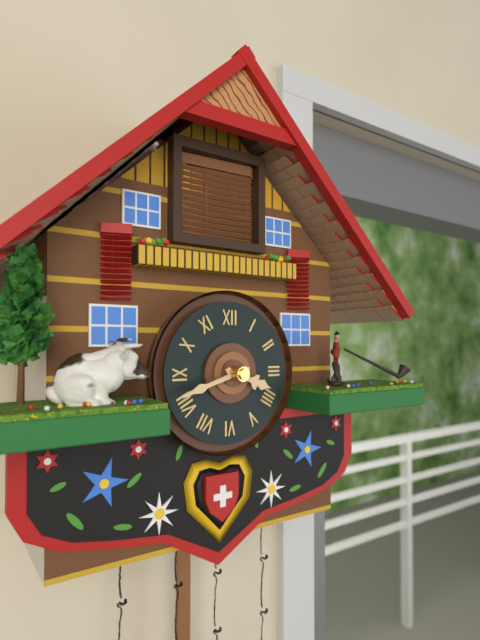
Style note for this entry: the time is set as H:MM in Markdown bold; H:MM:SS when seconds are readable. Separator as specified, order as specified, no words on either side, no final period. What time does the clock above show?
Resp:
**3:42**
